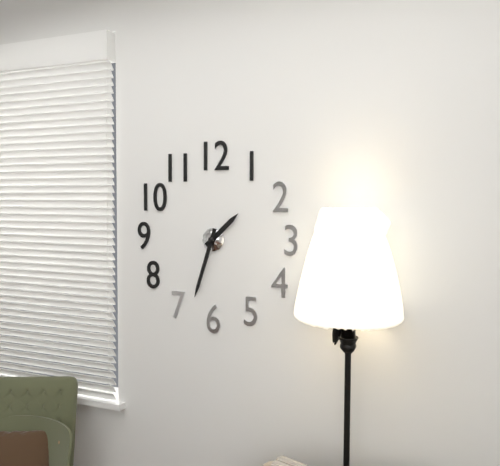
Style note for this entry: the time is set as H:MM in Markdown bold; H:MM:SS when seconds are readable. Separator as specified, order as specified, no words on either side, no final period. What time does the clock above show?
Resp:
**1:33**
